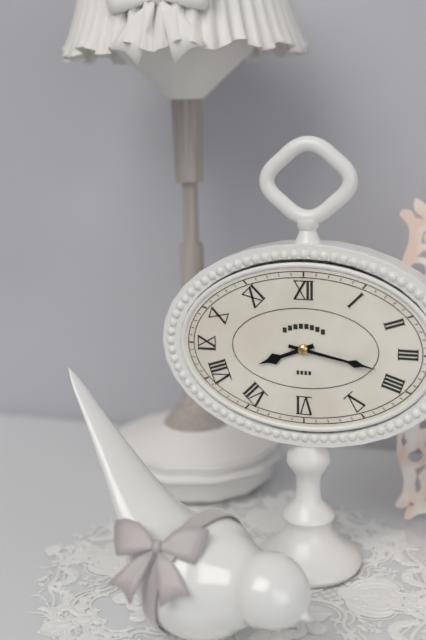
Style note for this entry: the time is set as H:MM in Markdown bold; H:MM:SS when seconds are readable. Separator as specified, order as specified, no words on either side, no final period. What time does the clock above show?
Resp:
**8:17**
